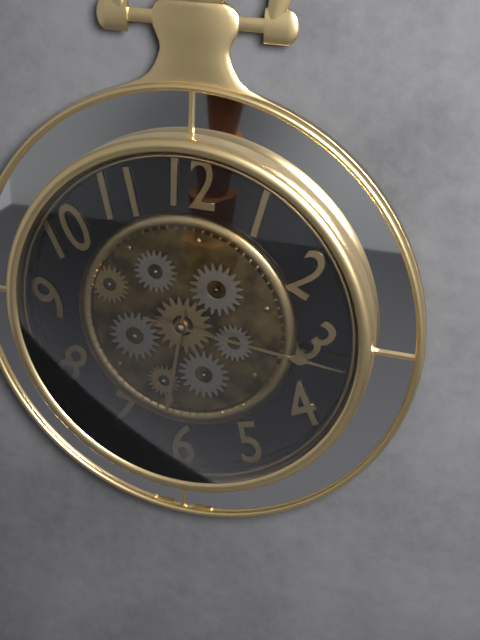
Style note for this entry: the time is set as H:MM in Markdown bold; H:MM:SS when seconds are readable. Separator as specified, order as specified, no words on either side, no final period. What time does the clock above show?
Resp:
**6:16**
